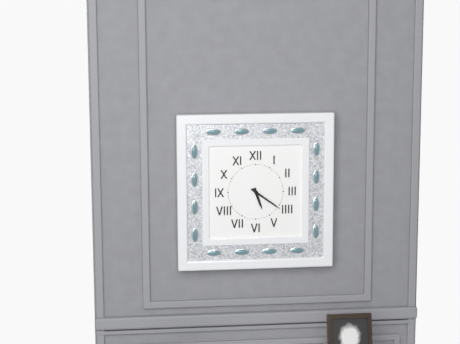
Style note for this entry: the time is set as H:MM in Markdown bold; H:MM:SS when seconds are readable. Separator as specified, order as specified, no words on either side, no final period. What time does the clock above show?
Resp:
**5:21**
